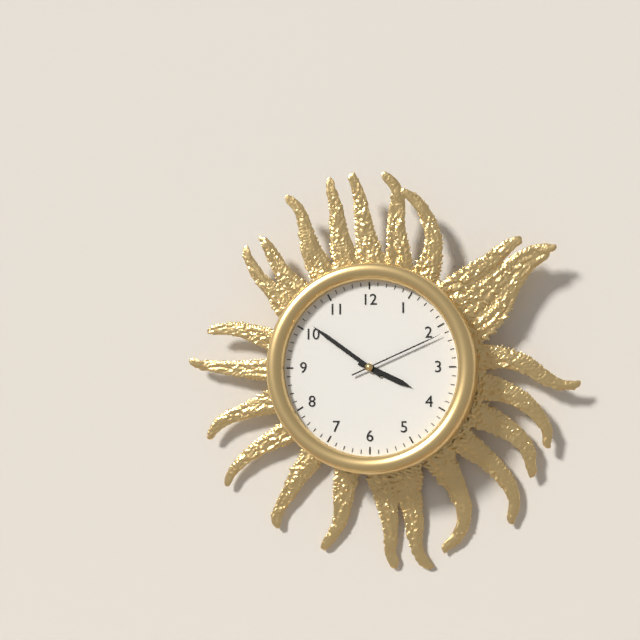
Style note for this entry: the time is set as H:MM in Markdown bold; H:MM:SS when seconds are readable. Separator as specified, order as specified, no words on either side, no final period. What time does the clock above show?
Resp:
**3:51:11**
